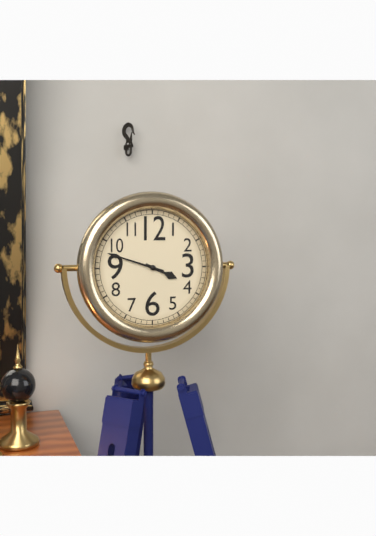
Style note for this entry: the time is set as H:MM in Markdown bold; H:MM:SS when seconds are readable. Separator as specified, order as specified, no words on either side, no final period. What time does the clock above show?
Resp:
**3:48**
